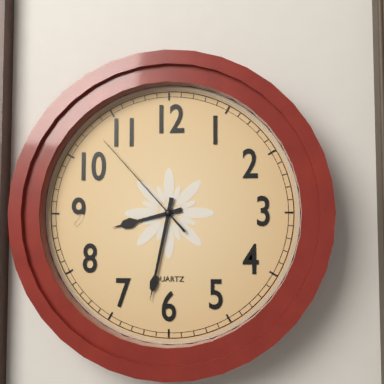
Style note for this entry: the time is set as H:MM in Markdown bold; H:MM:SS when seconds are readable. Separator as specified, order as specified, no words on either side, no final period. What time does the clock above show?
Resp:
**8:32:53**
